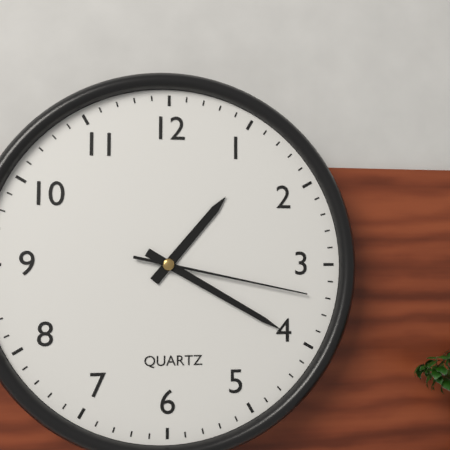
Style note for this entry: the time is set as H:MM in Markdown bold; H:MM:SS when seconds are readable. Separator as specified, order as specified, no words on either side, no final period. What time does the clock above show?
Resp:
**1:20:17**
